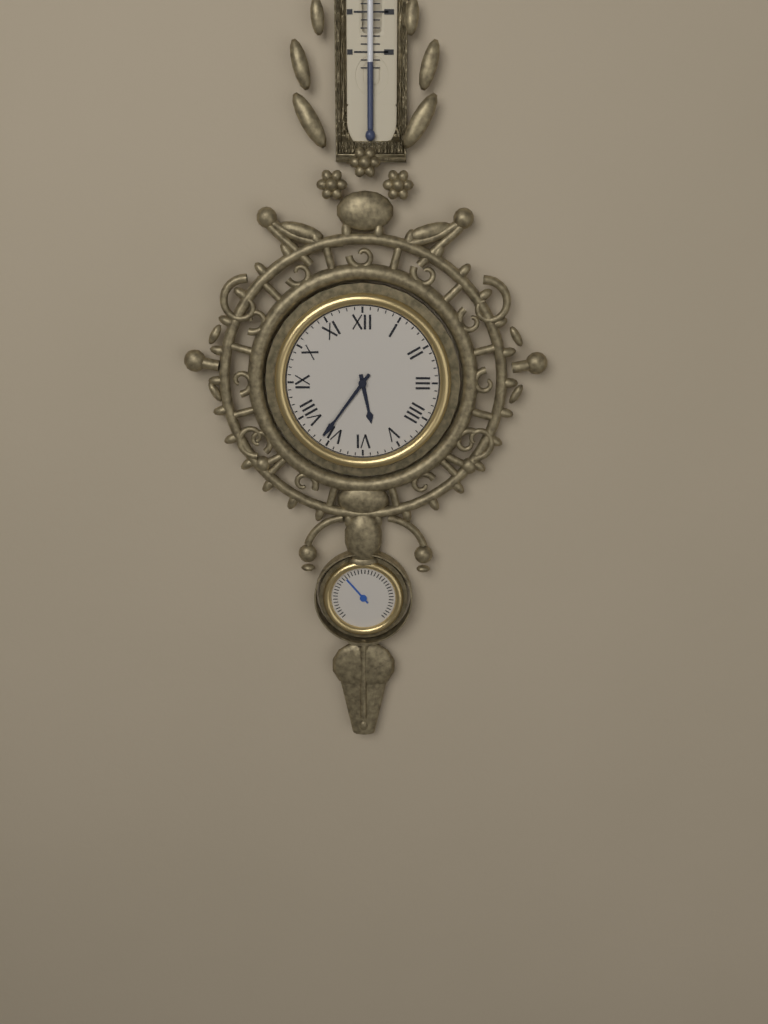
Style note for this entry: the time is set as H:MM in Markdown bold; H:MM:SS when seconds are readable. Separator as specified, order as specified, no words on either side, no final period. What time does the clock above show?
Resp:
**5:36**
